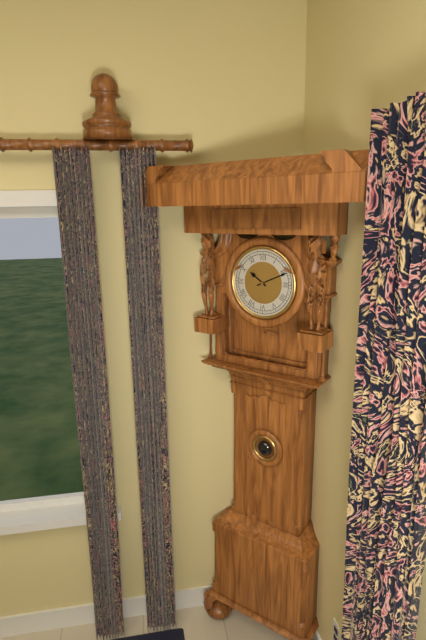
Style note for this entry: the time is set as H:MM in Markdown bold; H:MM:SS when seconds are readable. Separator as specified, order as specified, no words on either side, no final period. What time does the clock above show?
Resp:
**10:11**
